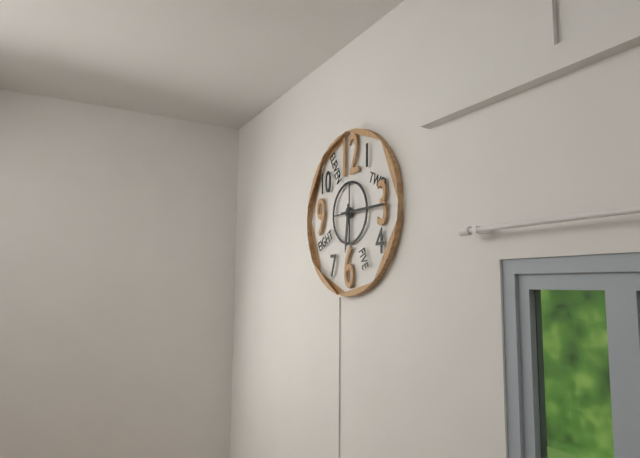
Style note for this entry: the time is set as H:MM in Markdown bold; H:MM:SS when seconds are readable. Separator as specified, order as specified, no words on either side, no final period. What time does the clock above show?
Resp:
**6:15**
